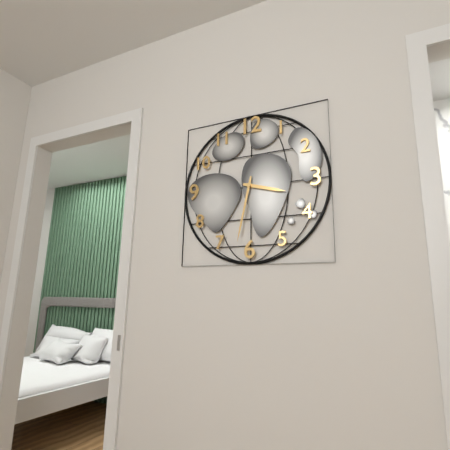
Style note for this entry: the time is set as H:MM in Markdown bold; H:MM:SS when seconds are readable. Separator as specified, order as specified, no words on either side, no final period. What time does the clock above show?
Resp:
**3:32**
